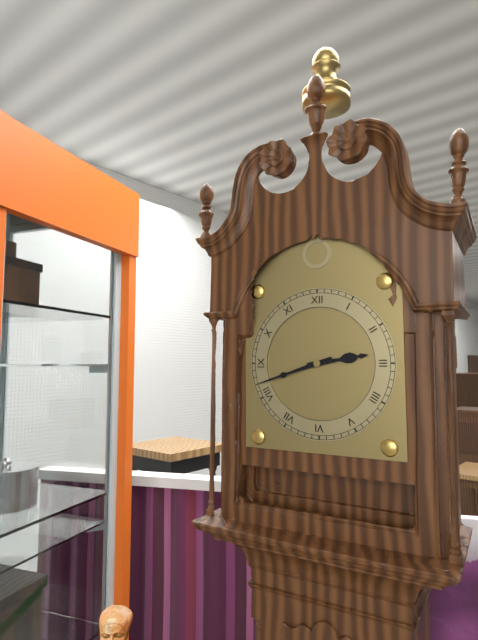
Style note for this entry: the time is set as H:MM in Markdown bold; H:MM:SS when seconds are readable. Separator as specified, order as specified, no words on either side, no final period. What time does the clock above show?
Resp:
**2:42**
